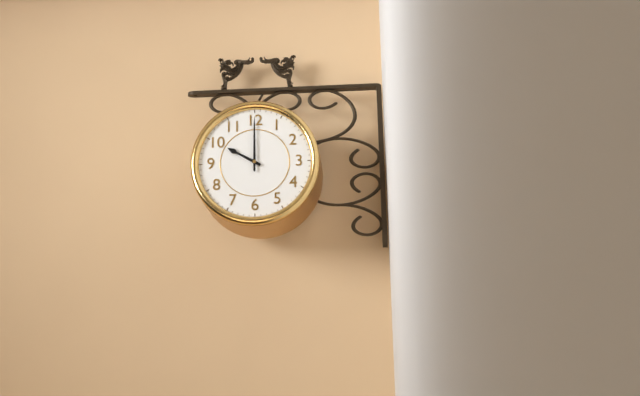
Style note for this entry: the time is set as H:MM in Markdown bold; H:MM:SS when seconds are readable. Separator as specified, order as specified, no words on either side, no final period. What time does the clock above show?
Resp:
**10:00**
